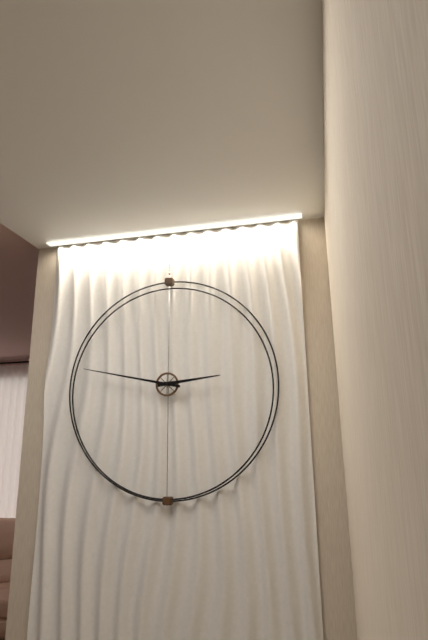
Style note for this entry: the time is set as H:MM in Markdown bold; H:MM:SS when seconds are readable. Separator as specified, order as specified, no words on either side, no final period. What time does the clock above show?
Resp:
**2:47**
